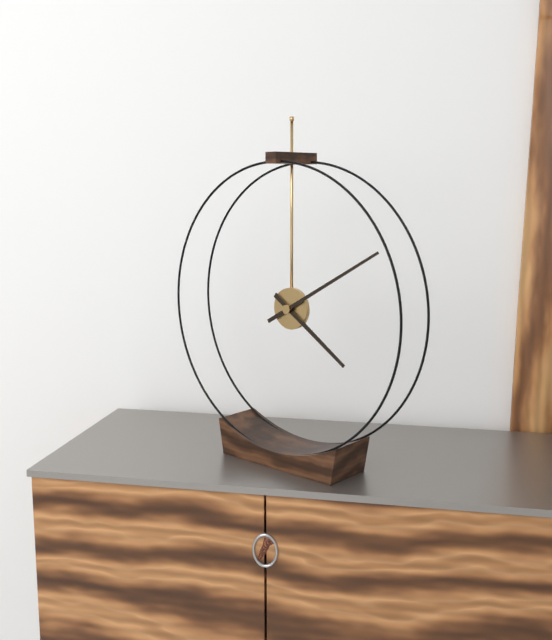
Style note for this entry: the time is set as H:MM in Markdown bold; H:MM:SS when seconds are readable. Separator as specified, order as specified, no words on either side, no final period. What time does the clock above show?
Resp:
**4:10**
